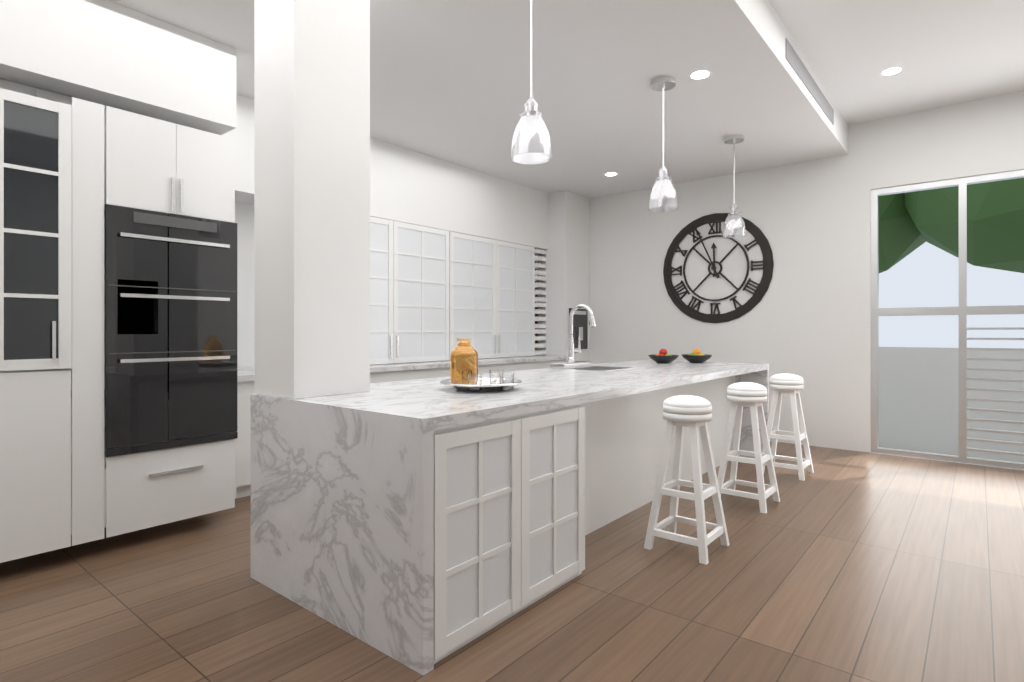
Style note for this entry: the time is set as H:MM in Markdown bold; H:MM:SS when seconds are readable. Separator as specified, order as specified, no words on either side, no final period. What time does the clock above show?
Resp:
**11:56**
